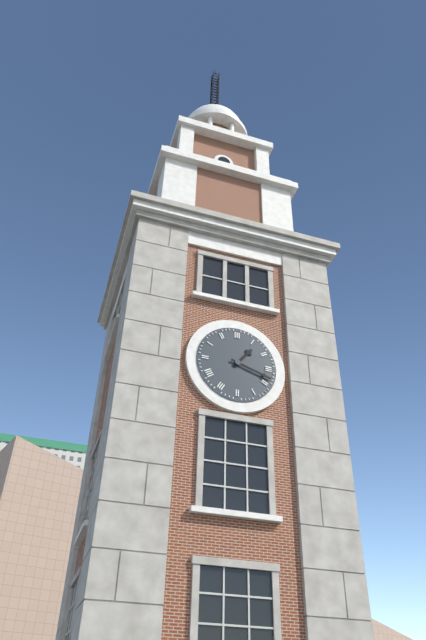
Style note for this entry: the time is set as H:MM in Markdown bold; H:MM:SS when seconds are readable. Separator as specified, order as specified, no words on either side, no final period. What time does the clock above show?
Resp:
**1:18**
